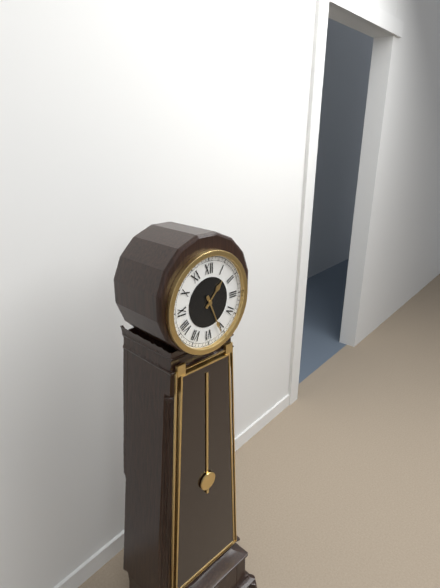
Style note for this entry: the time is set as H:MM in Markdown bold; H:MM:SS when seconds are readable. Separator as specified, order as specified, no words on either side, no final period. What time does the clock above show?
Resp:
**1:26**
